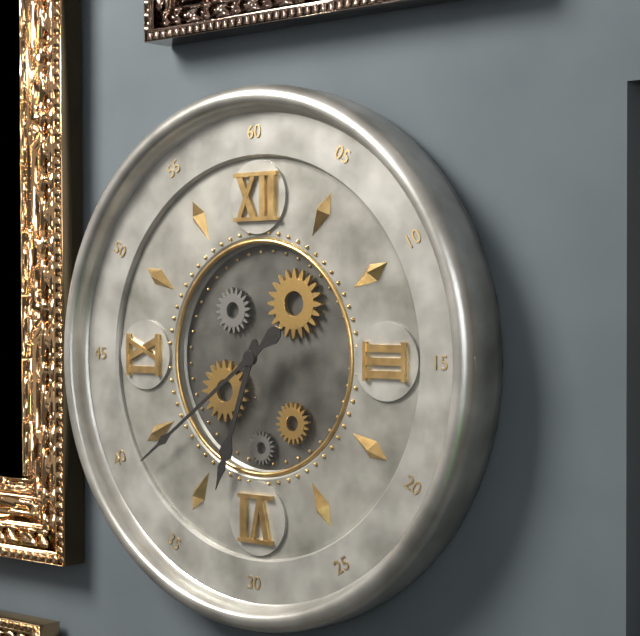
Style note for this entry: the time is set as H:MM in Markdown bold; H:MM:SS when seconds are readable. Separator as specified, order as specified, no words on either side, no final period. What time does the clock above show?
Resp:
**6:39**
